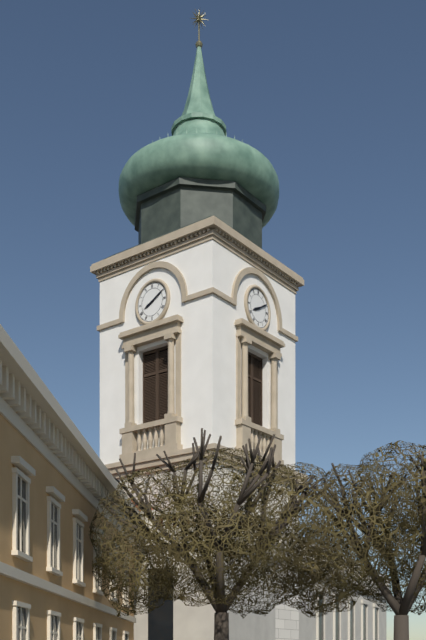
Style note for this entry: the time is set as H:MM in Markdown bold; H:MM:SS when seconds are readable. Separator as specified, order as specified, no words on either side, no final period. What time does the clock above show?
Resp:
**8:10**
